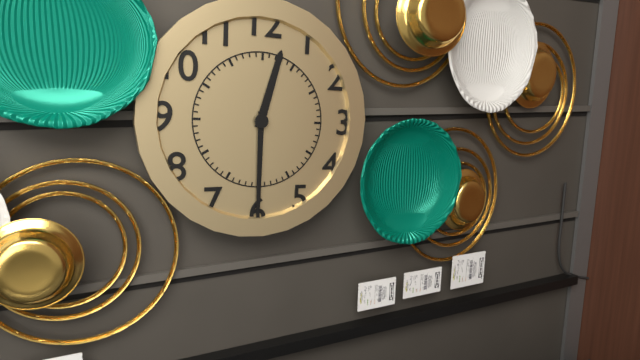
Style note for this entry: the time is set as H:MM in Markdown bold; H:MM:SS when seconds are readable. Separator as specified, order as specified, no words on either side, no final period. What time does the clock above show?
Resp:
**12:30**
